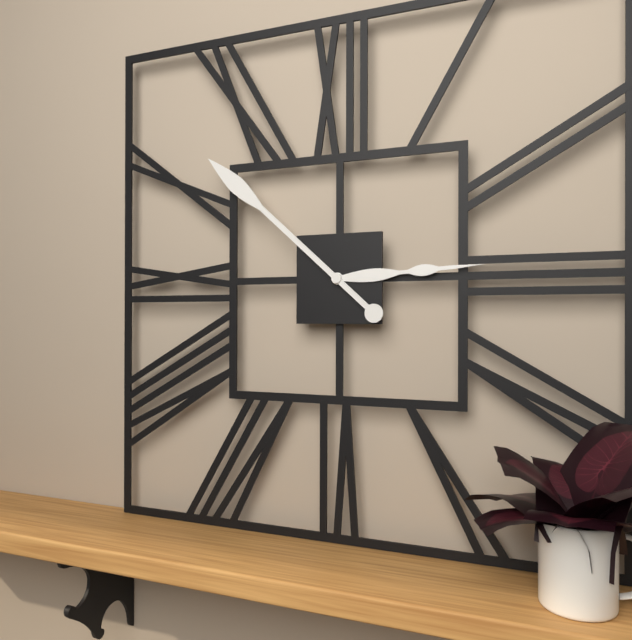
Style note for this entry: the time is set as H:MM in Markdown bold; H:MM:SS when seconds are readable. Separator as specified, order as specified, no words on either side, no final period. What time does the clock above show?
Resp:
**2:52**
